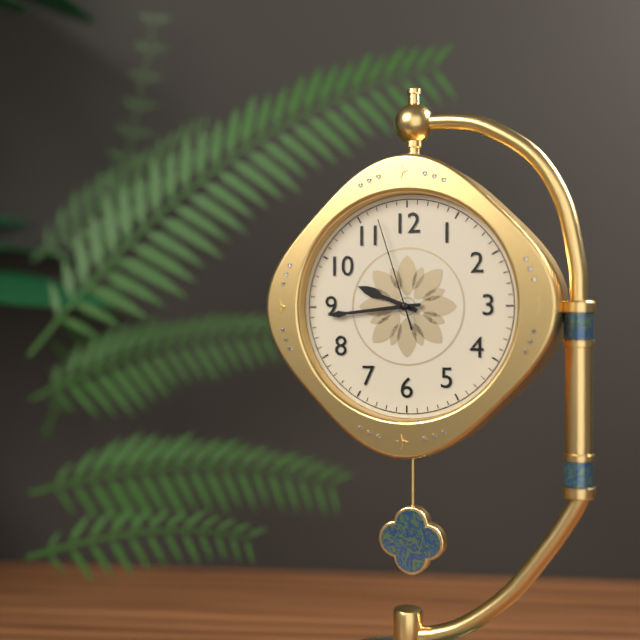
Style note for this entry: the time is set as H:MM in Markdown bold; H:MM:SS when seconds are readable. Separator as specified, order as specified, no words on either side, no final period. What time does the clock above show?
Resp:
**9:44:57**
